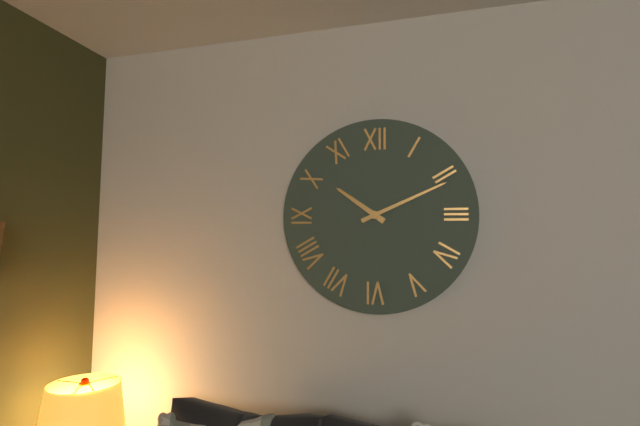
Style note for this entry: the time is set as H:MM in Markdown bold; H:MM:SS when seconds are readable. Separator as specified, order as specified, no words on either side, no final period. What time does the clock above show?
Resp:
**10:11**
